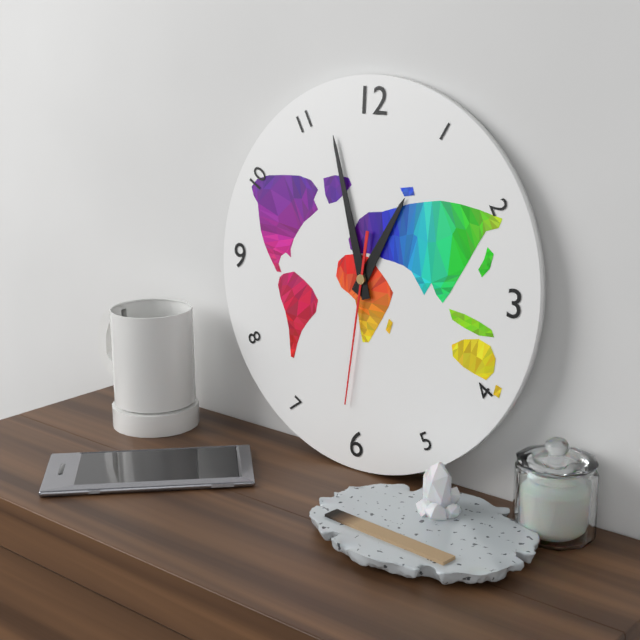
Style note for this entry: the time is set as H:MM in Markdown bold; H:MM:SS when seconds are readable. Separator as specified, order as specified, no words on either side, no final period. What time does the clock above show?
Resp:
**12:57:31**
